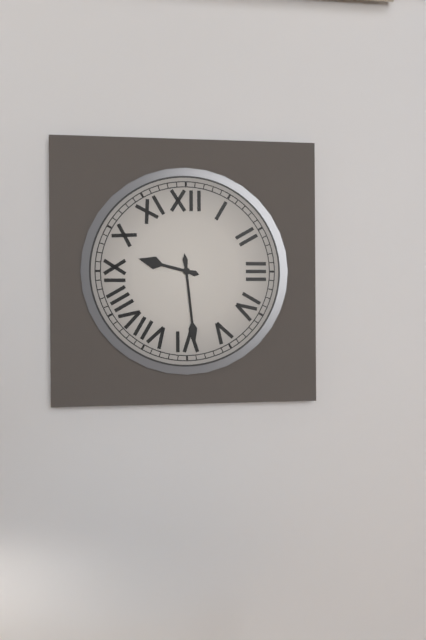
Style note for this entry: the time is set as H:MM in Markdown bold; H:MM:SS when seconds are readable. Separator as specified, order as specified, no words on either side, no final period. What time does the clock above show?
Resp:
**9:29**
